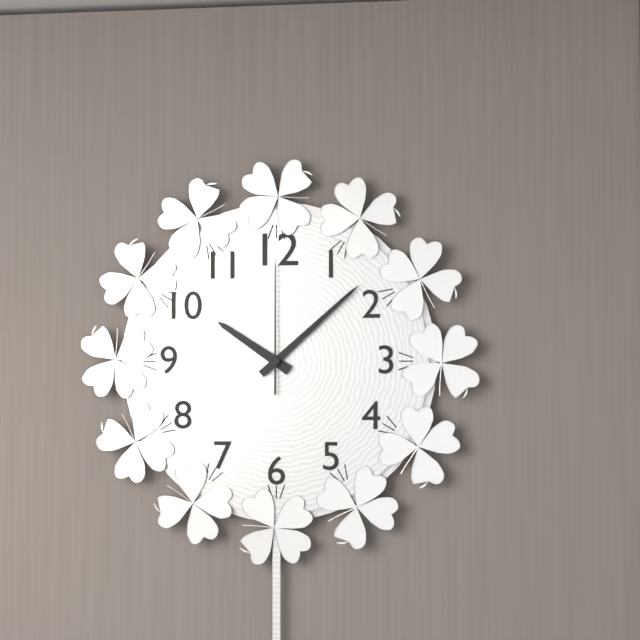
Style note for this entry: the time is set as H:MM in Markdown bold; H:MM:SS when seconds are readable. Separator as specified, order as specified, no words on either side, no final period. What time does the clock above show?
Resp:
**10:08:00**
